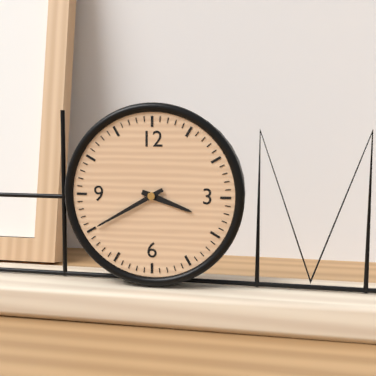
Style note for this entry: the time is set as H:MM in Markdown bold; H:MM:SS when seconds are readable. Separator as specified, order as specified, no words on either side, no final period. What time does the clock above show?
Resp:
**3:40**
